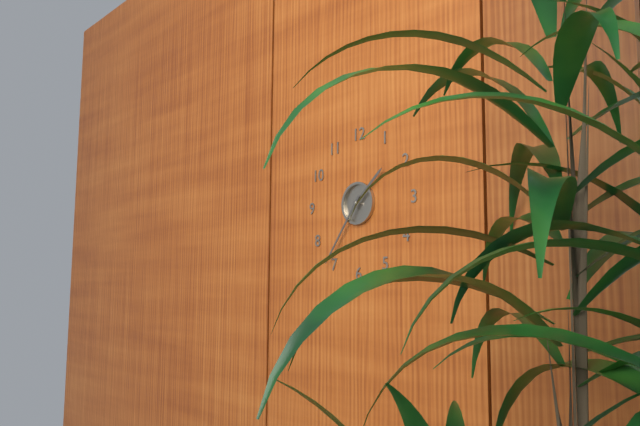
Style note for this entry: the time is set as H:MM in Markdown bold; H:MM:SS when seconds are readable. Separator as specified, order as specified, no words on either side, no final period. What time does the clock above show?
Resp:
**1:36**
